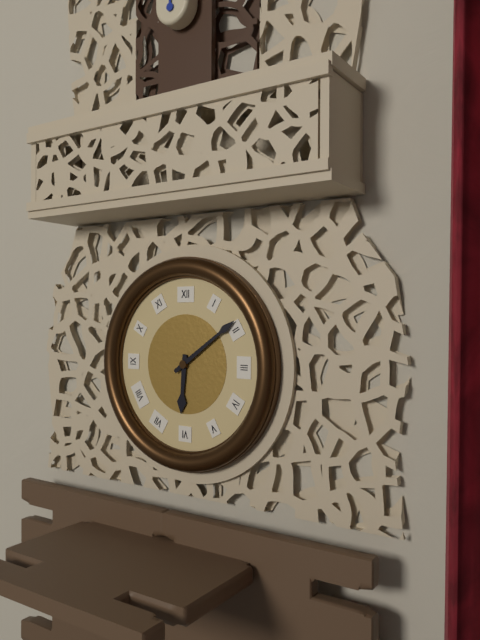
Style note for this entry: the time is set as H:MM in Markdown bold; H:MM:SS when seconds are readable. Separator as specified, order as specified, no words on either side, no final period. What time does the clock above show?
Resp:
**6:09**
